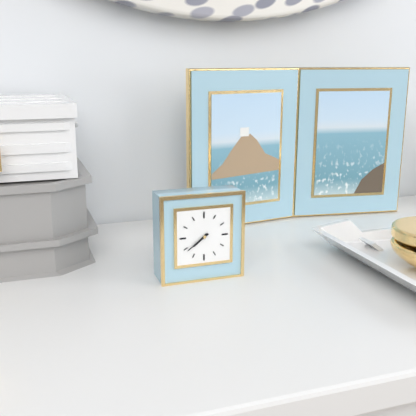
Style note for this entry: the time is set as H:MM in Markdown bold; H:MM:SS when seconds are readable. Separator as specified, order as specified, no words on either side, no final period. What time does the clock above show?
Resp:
**7:39**
